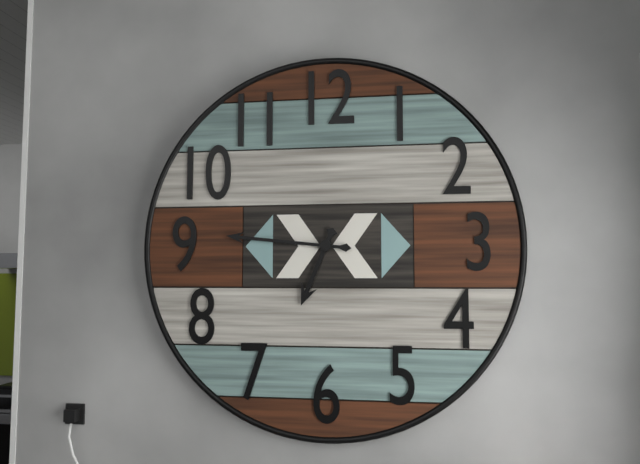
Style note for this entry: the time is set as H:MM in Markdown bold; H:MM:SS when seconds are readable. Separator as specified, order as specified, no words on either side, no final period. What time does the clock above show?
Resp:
**6:46**
